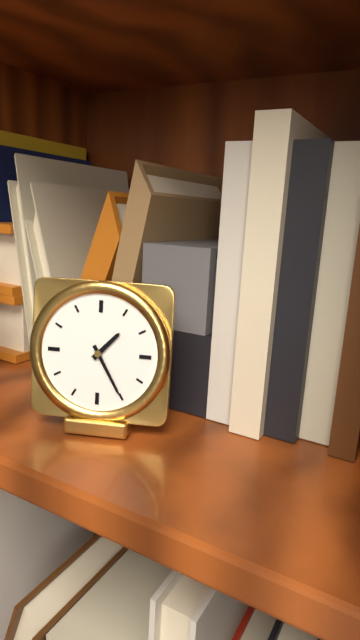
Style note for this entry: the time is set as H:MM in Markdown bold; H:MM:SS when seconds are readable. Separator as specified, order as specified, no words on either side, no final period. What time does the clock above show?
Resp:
**1:25**
